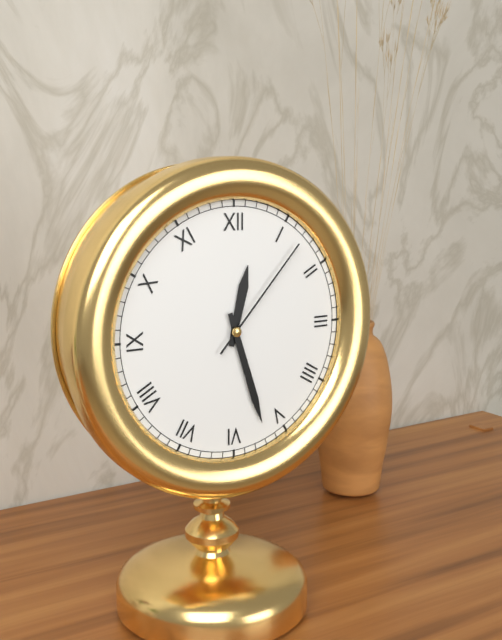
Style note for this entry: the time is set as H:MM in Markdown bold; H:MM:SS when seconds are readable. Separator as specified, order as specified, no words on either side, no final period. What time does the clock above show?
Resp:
**12:27:07**
